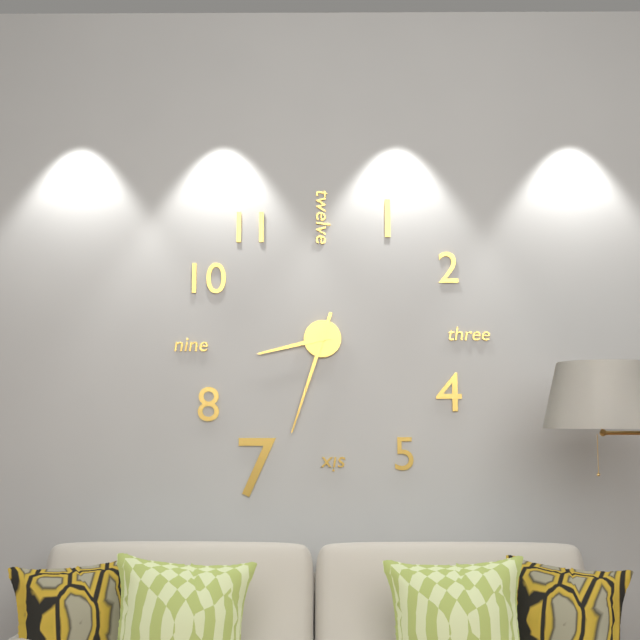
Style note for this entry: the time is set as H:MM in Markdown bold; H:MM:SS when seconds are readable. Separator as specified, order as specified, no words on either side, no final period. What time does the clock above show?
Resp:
**8:33**
